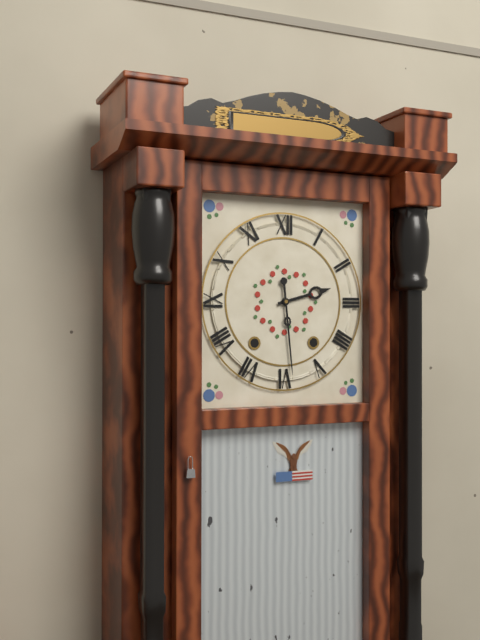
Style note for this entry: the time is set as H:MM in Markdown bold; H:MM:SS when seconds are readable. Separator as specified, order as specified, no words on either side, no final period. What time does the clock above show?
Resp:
**2:29**
